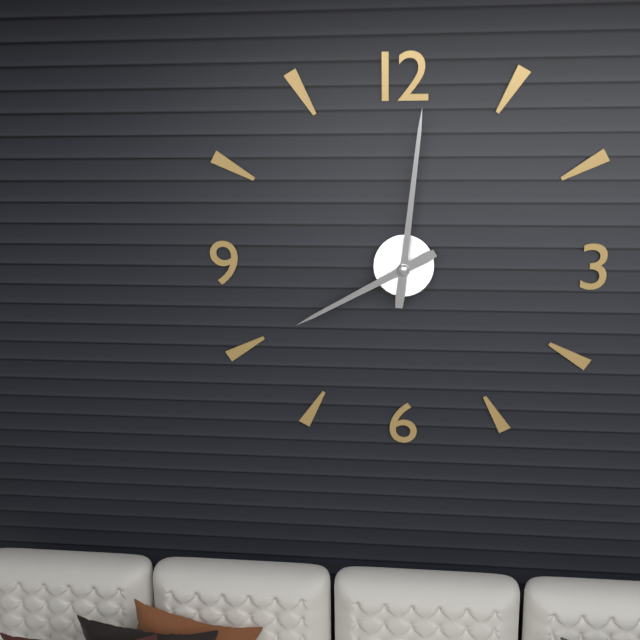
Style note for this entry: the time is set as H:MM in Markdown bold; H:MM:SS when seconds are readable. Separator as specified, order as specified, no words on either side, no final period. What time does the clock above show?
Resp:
**8:01**
